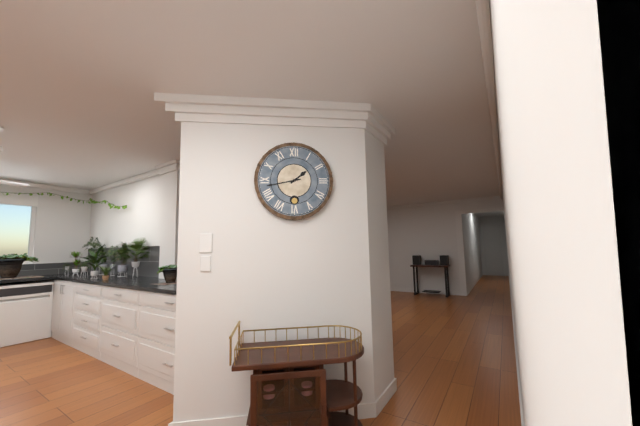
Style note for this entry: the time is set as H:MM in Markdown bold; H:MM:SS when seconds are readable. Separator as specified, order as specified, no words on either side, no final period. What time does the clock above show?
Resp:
**1:43**
